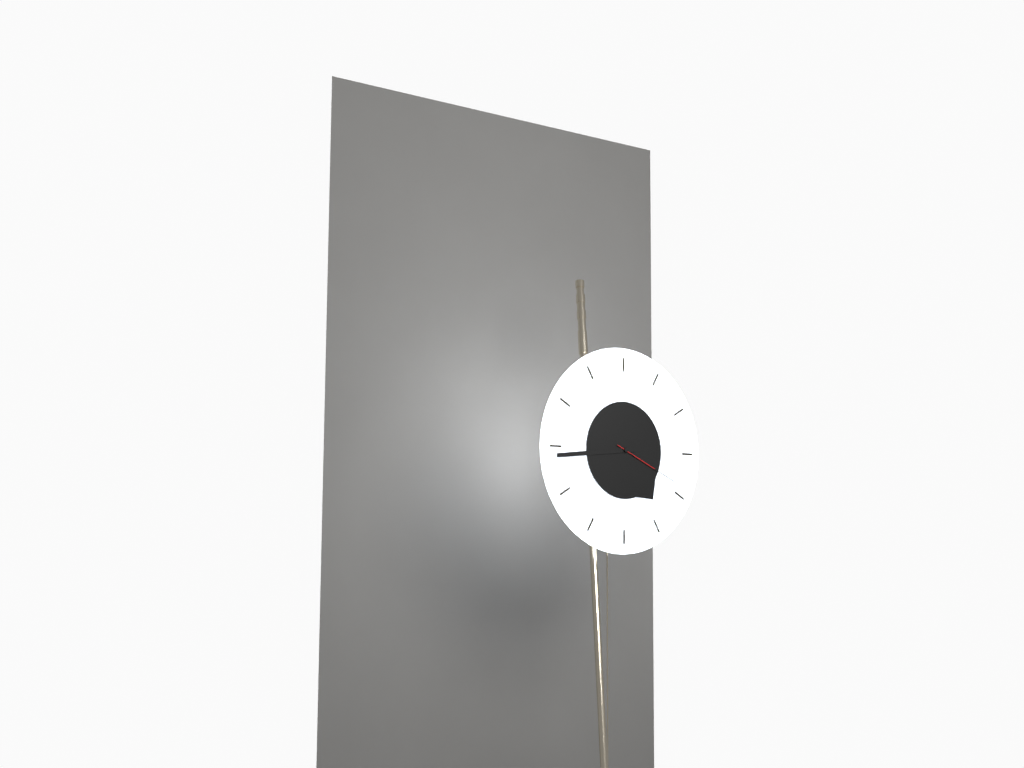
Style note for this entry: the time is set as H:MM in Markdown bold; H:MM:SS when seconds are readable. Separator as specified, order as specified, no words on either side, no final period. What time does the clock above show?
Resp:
**4:44:19**
